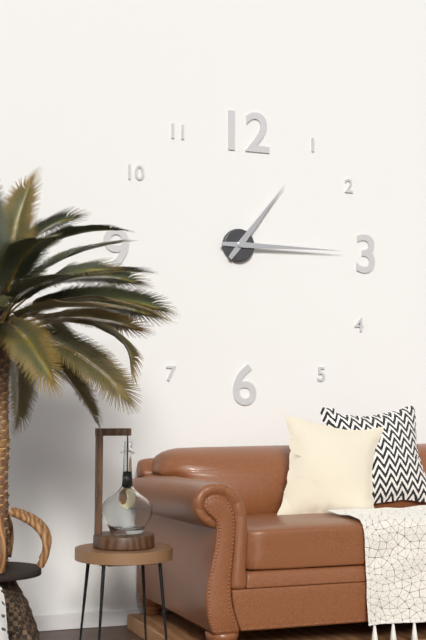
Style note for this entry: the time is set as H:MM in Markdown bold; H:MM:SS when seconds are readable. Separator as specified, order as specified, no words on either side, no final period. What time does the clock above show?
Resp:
**1:15**
